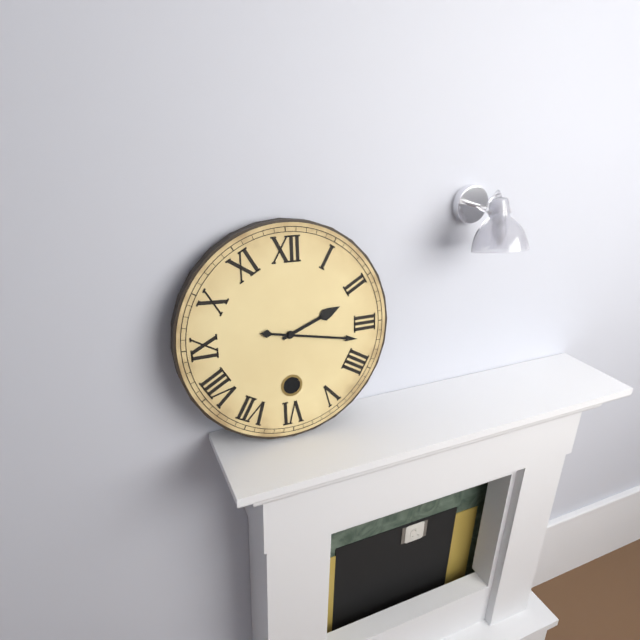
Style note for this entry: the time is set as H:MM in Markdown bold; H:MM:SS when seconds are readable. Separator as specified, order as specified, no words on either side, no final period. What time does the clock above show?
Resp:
**2:17**
